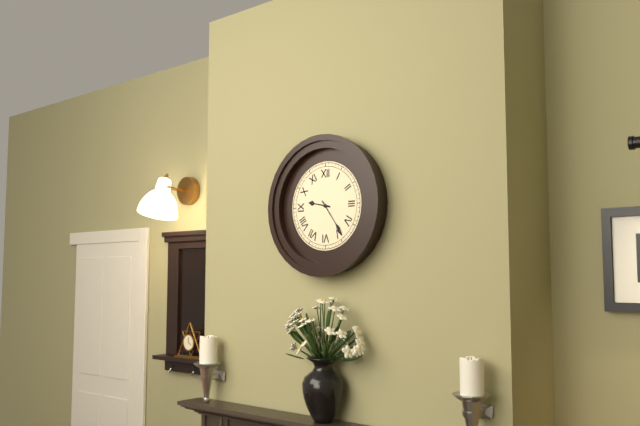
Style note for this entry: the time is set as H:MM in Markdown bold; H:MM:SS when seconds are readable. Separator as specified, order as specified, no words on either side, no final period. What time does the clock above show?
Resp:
**9:24**
